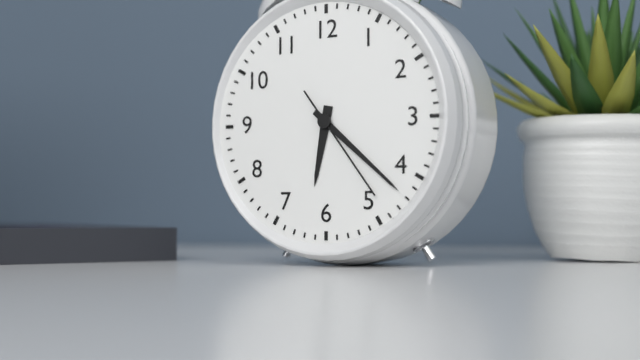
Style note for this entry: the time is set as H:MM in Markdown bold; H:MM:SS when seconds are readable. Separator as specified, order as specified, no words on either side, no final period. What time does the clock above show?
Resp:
**6:22:24**
